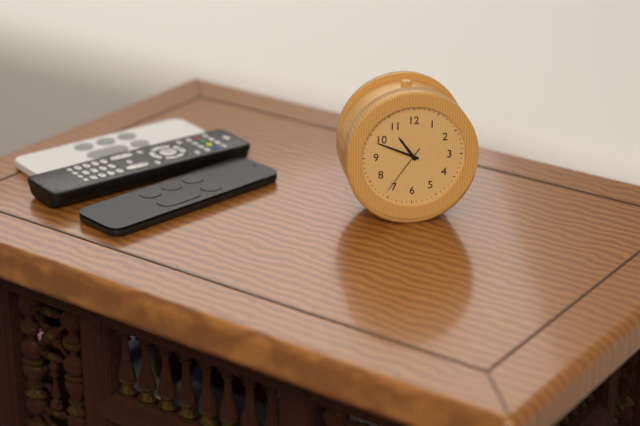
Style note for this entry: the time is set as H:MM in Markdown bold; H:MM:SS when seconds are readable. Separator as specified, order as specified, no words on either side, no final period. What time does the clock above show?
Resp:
**10:49:36**
